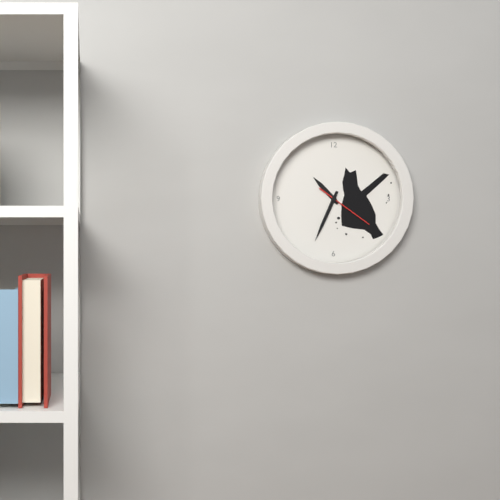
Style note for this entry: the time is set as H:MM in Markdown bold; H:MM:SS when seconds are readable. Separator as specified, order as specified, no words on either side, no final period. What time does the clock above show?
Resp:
**10:34:21**
